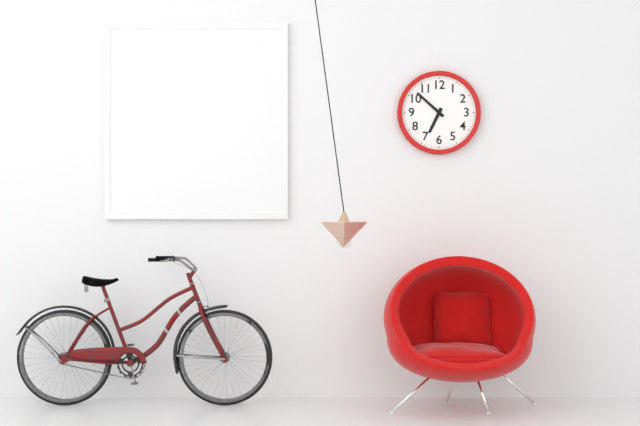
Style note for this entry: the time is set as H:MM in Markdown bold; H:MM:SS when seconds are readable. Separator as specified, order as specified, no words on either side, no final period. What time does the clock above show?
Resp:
**6:52**
